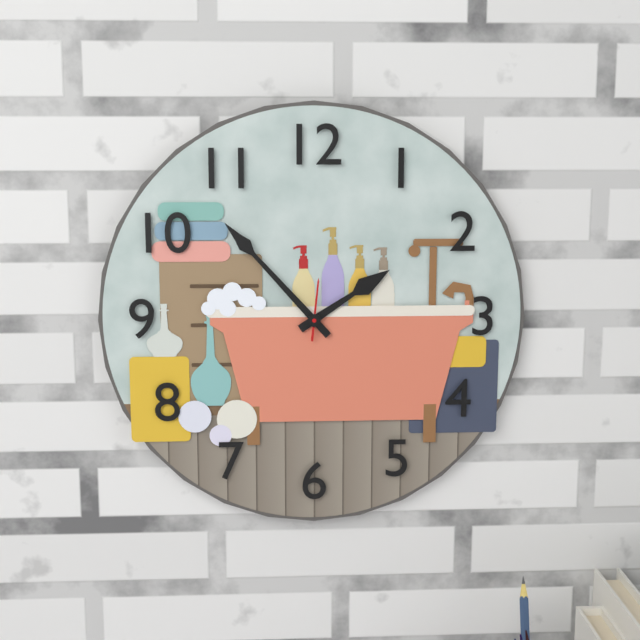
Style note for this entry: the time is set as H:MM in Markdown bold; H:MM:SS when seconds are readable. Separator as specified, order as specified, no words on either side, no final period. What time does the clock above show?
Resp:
**1:53:01**
